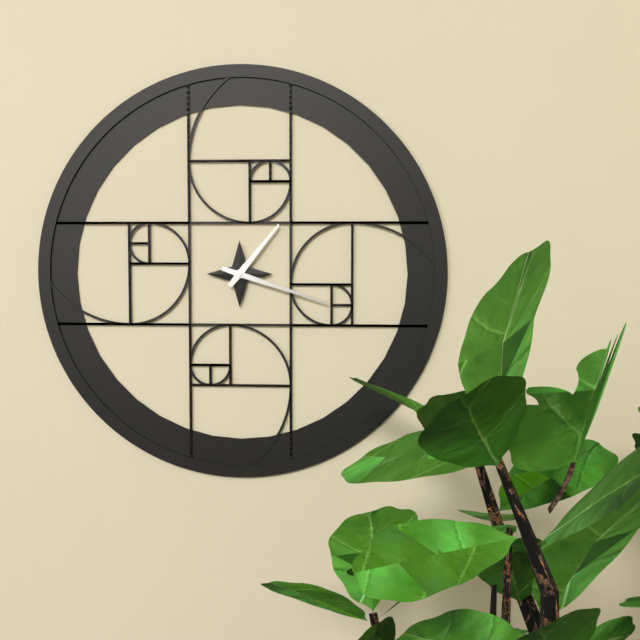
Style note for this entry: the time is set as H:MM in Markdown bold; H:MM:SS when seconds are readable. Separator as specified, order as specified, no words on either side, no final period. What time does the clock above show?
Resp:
**1:18**
